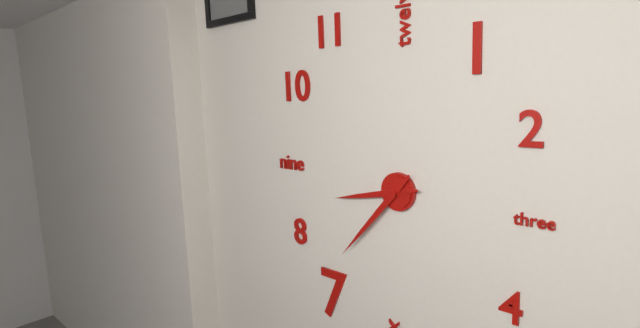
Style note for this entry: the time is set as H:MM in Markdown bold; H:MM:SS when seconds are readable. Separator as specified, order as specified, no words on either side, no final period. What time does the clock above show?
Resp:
**8:37**
